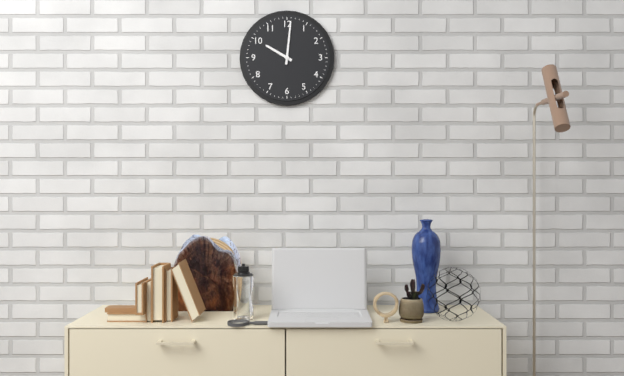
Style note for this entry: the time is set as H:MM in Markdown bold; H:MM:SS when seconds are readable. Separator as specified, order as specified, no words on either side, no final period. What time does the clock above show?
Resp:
**10:01**
